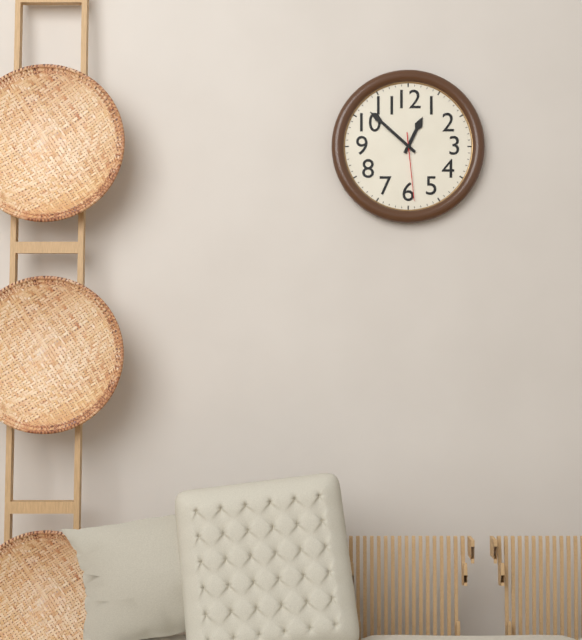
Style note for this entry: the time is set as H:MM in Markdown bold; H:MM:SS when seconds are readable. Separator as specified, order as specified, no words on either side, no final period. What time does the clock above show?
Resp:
**12:52:29**
